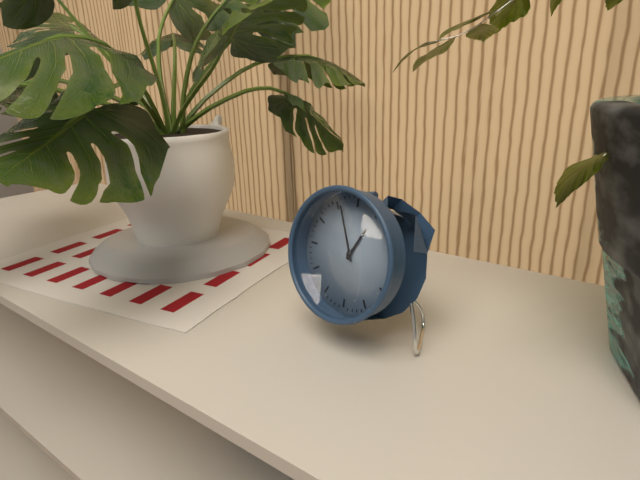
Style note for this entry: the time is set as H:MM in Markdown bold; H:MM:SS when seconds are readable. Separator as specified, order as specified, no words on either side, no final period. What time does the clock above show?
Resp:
**12:56**
